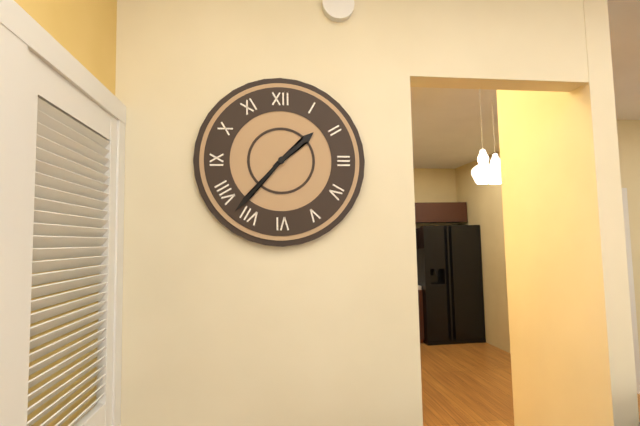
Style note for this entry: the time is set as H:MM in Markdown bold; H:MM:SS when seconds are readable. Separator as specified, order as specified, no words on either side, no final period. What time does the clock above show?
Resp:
**1:37**
